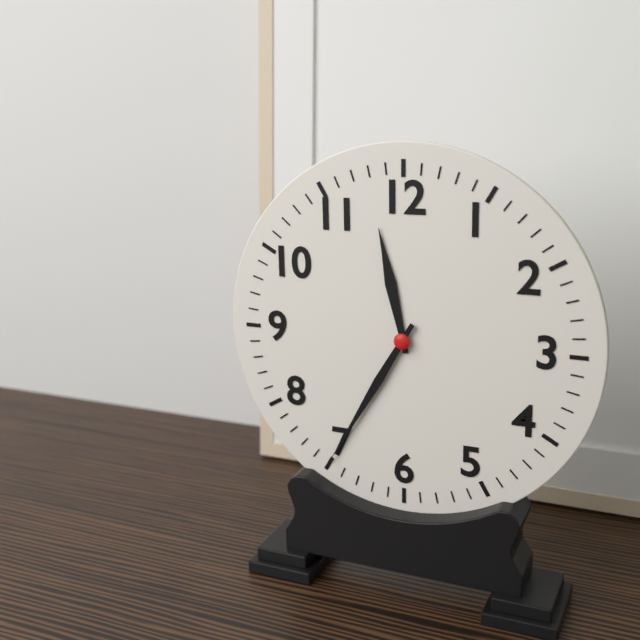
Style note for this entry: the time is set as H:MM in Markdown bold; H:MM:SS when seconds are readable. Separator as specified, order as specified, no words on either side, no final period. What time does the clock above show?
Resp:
**11:35**
